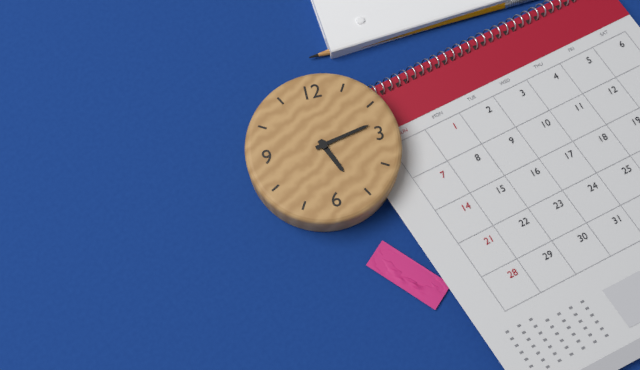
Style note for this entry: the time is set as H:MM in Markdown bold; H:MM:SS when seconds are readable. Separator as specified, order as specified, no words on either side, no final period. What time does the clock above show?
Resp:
**5:13**
